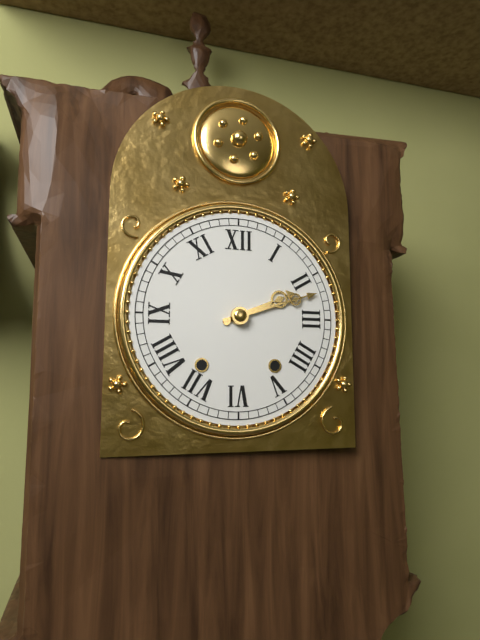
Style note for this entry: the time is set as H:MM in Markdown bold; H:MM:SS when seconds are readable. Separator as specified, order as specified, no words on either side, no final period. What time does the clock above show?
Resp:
**2:12**
